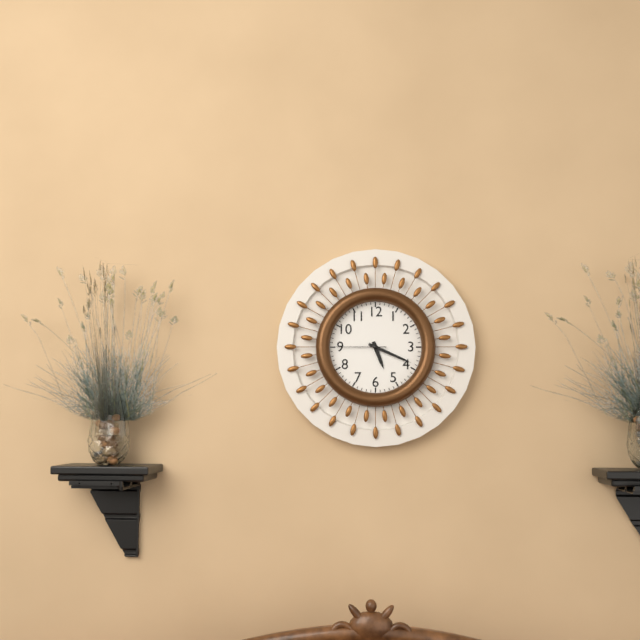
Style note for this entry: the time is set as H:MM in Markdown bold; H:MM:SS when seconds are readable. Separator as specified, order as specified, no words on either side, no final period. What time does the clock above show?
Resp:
**5:19:45**
